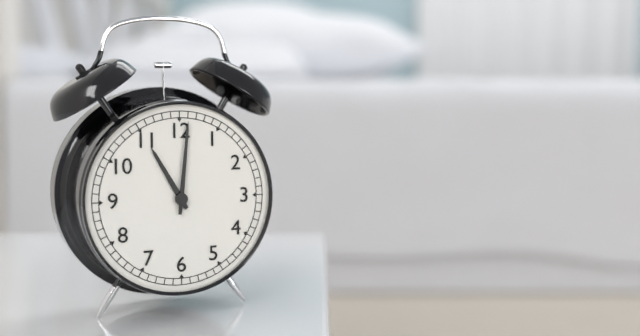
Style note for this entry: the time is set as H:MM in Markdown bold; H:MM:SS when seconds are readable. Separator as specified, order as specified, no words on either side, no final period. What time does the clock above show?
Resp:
**11:01**
